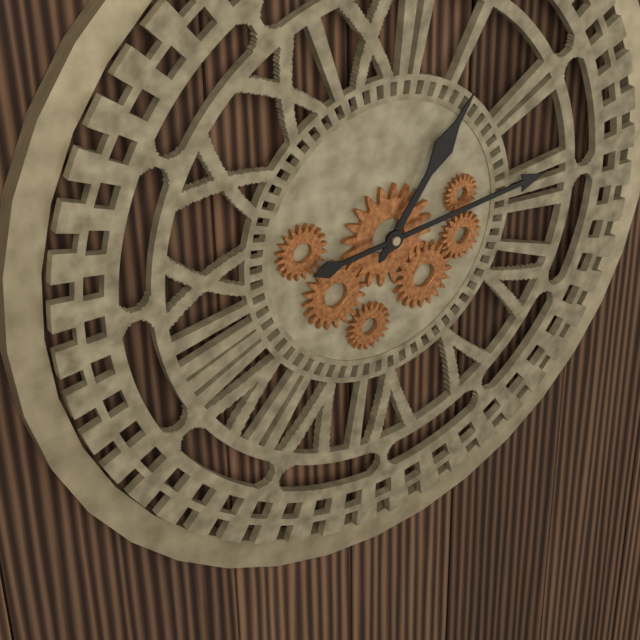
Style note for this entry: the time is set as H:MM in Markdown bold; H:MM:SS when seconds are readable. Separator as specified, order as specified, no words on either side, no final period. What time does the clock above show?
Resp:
**1:14**
